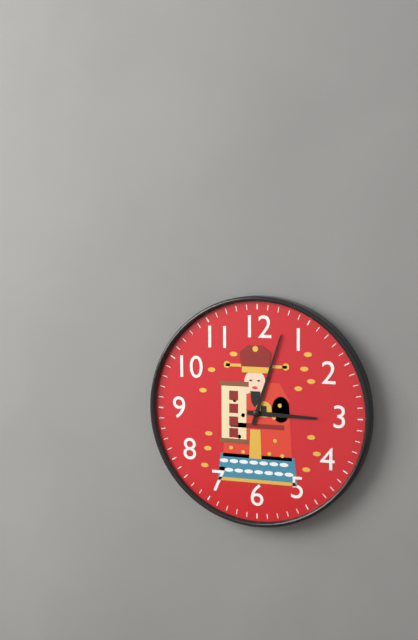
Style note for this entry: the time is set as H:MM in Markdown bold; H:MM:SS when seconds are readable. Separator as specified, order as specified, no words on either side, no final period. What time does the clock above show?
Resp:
**3:03**
